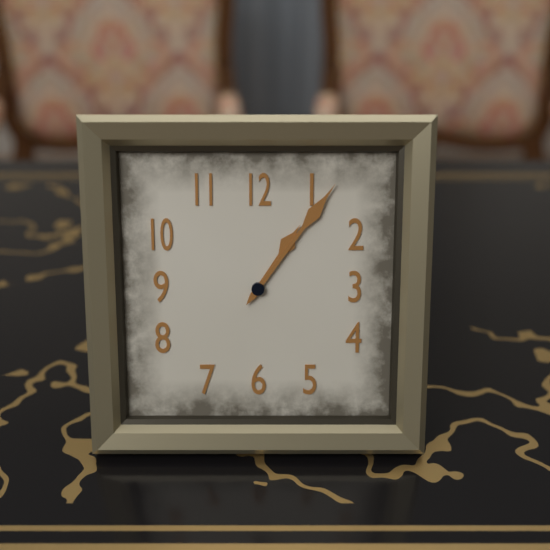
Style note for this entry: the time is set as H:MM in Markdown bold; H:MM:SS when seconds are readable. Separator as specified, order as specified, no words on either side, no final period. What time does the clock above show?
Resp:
**1:06**
